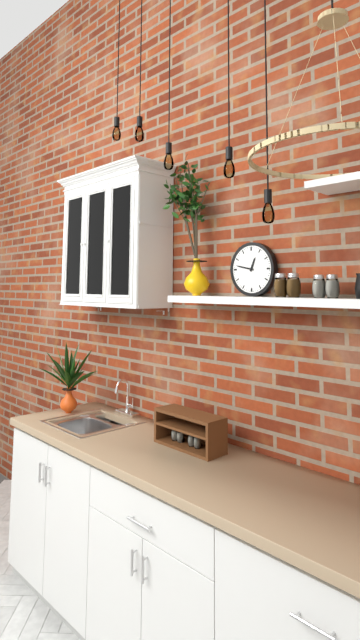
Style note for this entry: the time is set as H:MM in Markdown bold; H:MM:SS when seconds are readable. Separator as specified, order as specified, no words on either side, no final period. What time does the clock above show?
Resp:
**12:47**
